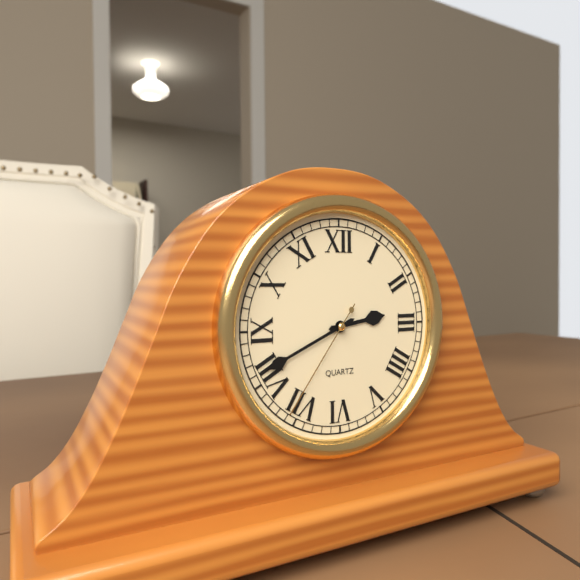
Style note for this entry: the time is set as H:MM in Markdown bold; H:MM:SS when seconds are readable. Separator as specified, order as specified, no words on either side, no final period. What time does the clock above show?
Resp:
**2:41:36**
